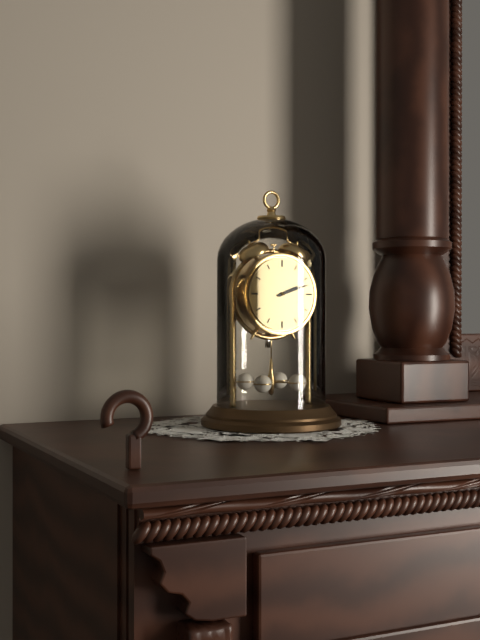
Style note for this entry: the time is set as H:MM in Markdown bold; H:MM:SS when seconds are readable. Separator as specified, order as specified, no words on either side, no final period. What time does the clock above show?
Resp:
**2:12**
